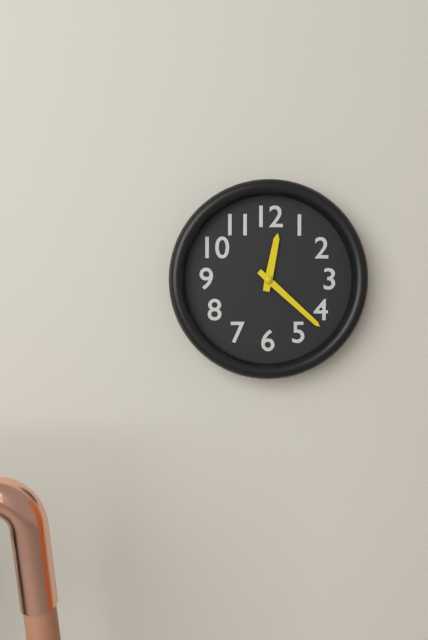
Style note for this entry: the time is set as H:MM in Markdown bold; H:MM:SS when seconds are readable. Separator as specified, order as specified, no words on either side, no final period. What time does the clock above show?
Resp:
**12:22**
